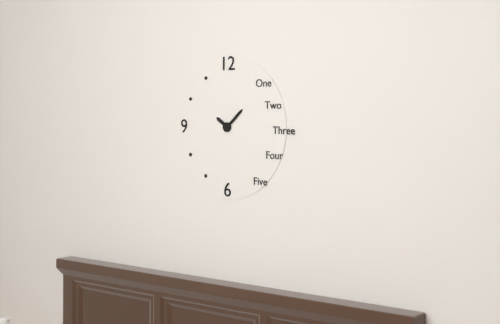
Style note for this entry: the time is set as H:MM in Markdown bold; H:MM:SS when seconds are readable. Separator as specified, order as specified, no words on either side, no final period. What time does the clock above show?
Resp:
**10:08**
